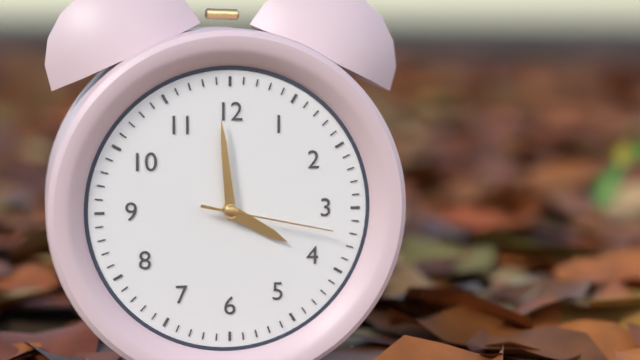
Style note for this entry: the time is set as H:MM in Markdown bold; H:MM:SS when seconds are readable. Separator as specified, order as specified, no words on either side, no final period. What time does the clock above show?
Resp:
**3:59:17**
